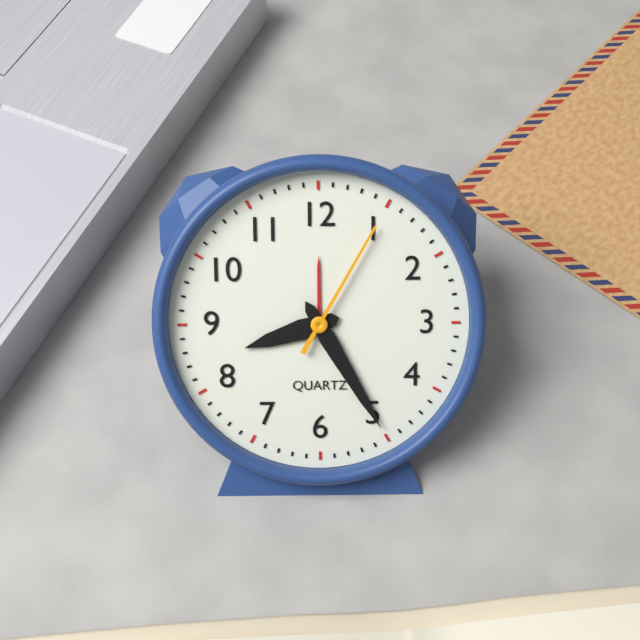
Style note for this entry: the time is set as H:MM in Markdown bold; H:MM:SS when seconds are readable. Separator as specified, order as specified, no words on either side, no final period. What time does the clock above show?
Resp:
**8:25:05**
